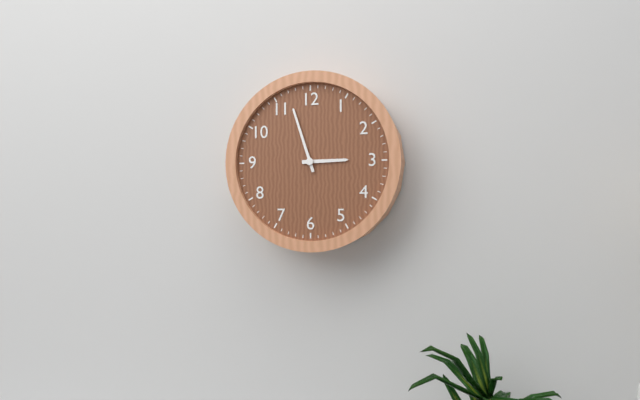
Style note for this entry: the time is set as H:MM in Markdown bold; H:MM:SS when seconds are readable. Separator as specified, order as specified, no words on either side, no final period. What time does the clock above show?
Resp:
**2:57**
